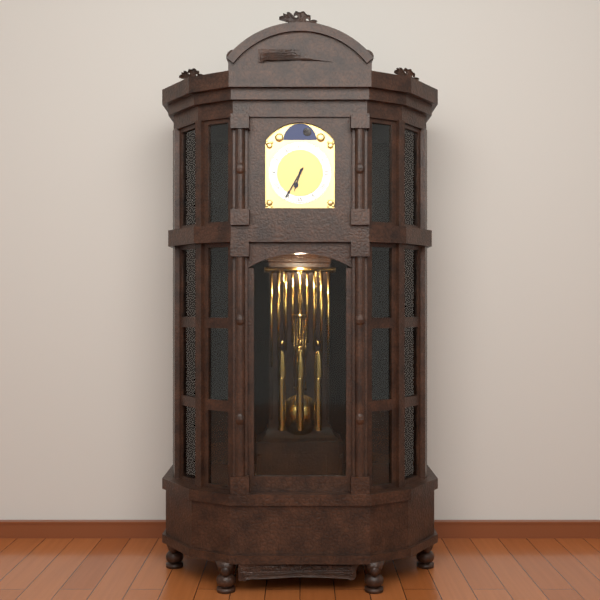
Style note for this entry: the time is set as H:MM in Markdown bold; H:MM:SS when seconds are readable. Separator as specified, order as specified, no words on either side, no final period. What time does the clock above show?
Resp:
**6:35**
